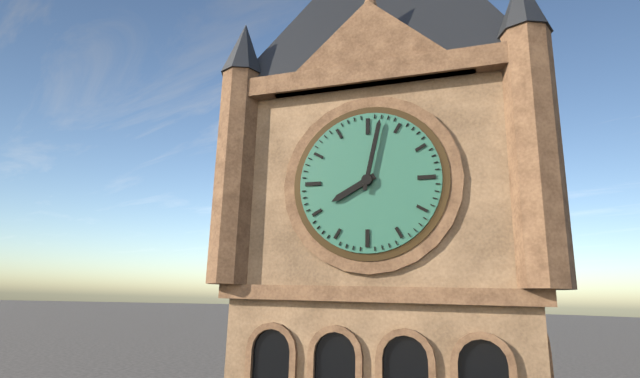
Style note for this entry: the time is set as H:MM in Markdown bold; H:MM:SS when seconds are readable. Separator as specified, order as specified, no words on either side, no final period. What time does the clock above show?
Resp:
**8:02**
